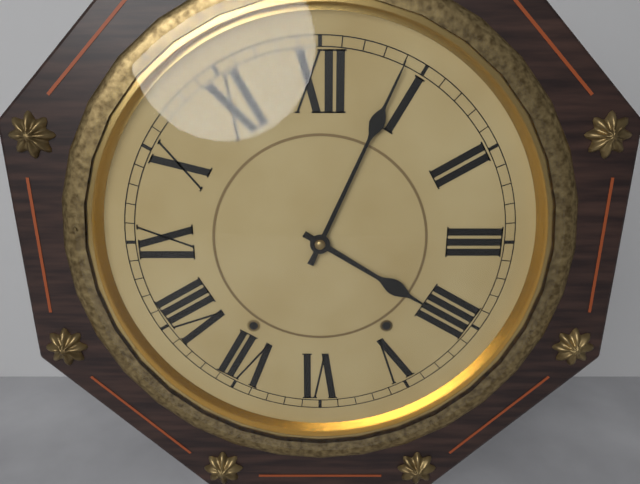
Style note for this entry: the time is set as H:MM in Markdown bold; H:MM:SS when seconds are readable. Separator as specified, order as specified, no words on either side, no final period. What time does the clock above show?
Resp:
**4:04**
